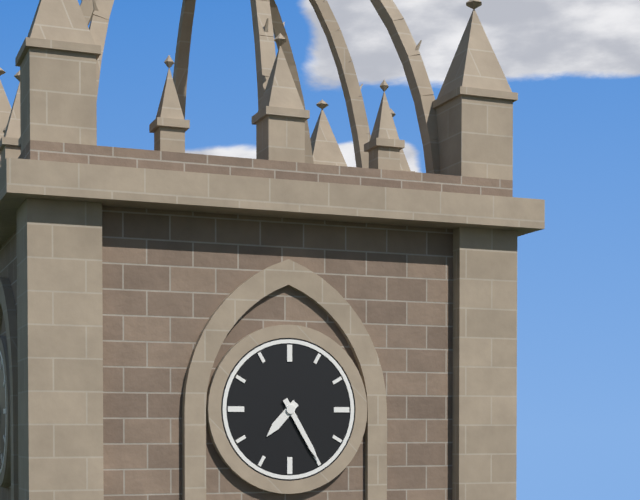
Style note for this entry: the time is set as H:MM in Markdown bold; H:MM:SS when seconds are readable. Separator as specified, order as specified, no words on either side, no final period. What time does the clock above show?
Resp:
**7:25**
